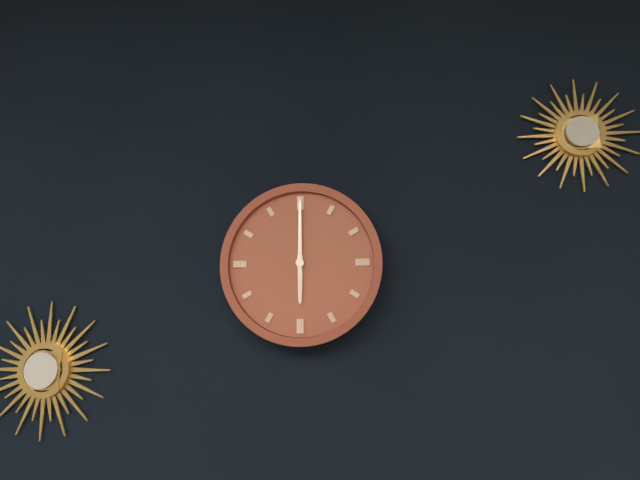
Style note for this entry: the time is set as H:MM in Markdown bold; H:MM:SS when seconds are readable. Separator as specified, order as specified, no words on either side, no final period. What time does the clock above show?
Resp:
**6:00**
